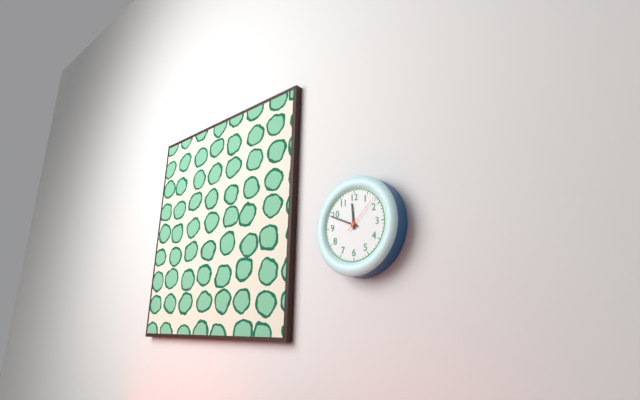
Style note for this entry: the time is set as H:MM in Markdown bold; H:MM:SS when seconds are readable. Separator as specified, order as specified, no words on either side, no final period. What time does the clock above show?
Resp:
**11:49**
